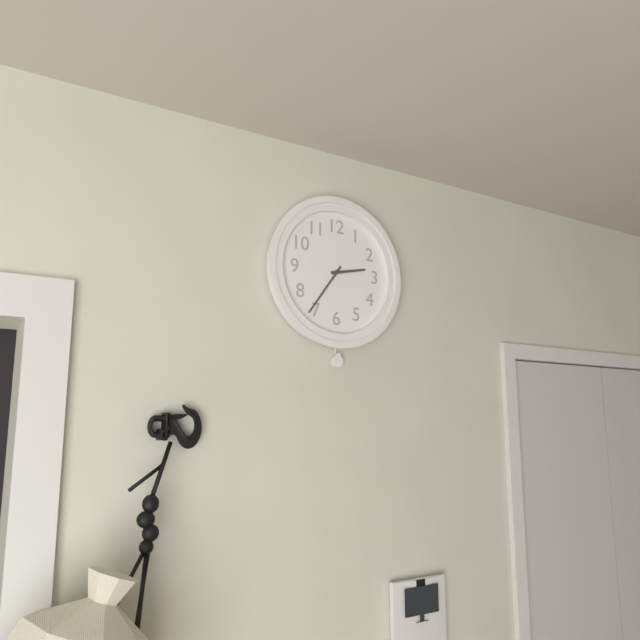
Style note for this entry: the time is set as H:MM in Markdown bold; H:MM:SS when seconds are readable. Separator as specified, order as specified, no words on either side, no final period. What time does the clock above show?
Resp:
**2:36**
